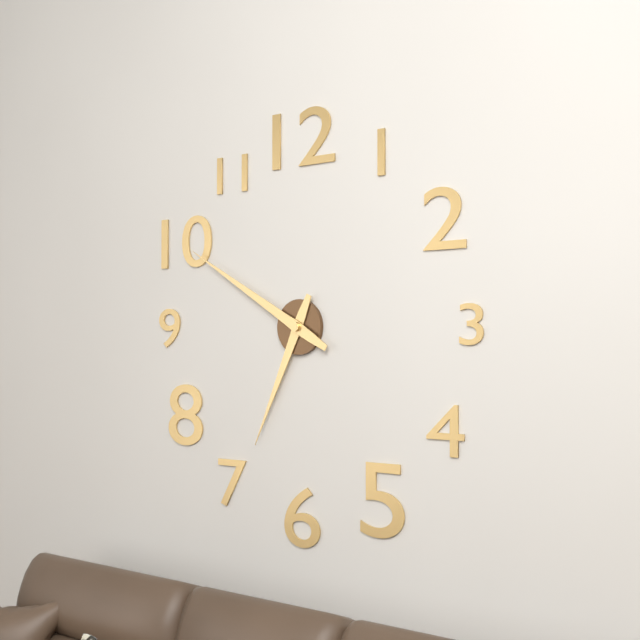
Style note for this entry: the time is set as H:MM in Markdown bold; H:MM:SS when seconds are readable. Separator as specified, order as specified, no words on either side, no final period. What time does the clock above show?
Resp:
**6:50**
